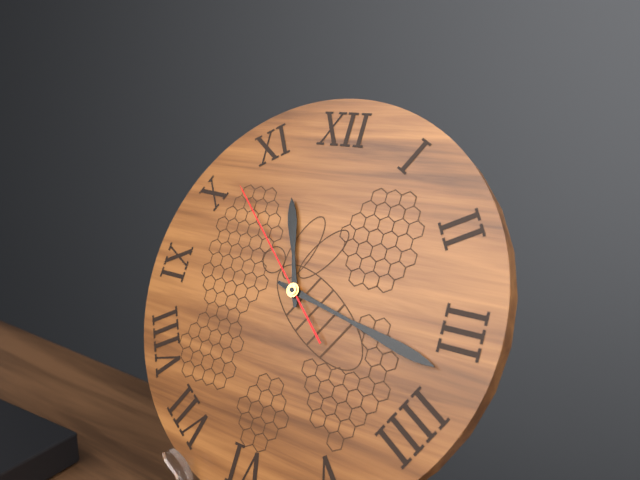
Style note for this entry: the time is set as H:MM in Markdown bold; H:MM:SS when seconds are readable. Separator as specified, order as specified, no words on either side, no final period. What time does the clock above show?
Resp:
**11:17:52**
